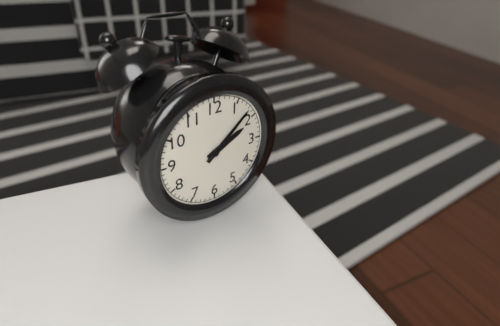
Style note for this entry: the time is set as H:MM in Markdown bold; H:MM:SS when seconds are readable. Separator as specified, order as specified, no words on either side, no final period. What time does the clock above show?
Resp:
**2:08**
